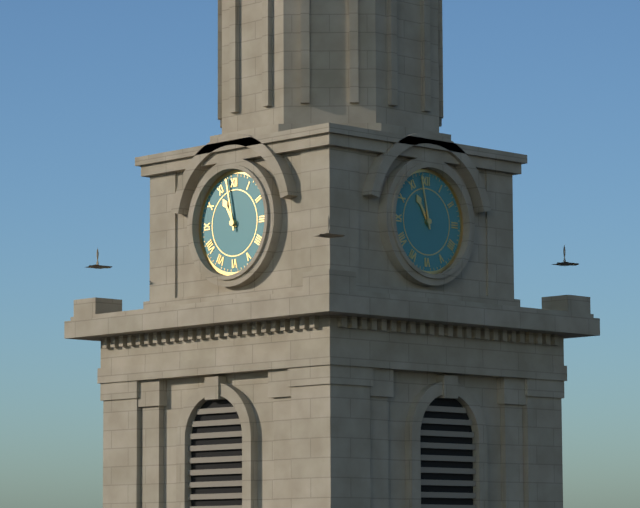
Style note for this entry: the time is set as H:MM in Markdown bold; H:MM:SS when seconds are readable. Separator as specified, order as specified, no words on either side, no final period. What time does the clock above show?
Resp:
**10:58**
